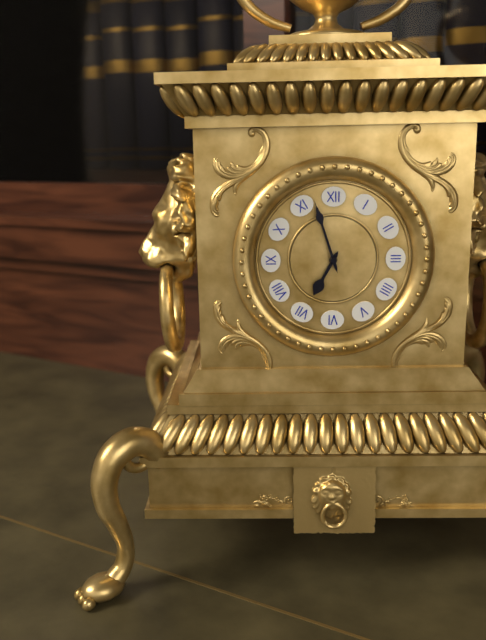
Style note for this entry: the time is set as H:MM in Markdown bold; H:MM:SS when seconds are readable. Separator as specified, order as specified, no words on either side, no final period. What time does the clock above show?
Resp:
**6:57**
